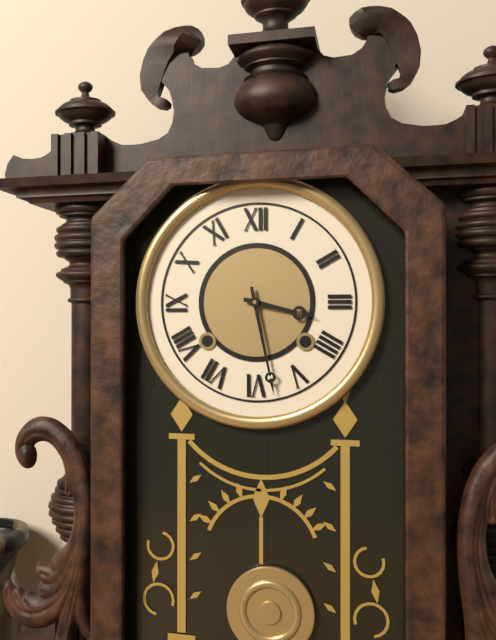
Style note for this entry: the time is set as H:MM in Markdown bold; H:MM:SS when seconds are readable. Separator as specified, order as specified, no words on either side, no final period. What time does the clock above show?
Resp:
**3:28**
